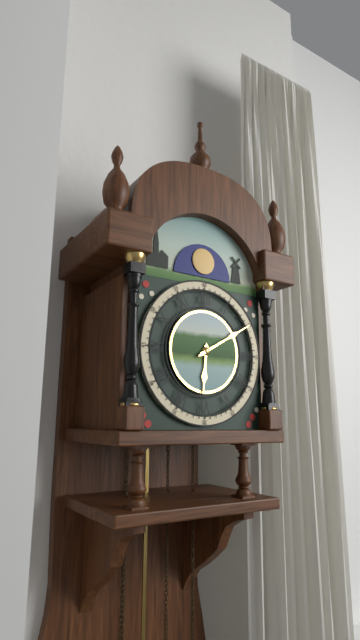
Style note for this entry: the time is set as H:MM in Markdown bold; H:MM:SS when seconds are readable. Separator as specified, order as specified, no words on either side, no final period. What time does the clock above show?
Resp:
**6:10**
